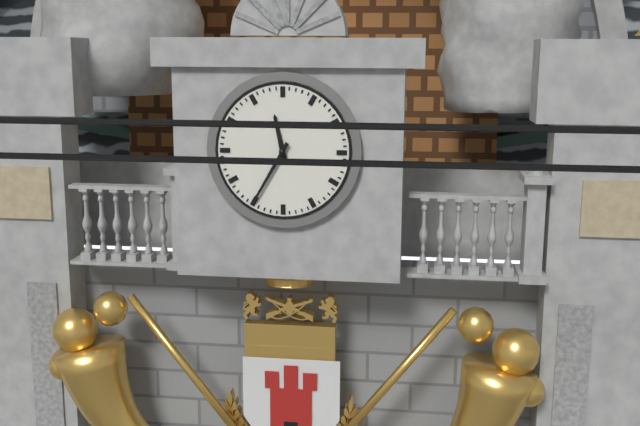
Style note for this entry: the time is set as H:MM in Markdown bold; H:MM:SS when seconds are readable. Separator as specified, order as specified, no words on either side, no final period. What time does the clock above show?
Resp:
**11:35**
